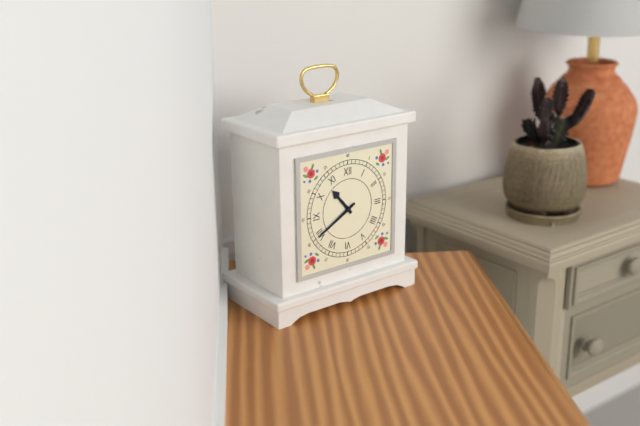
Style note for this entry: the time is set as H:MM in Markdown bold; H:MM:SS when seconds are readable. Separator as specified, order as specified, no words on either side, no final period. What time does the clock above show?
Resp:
**10:40**
